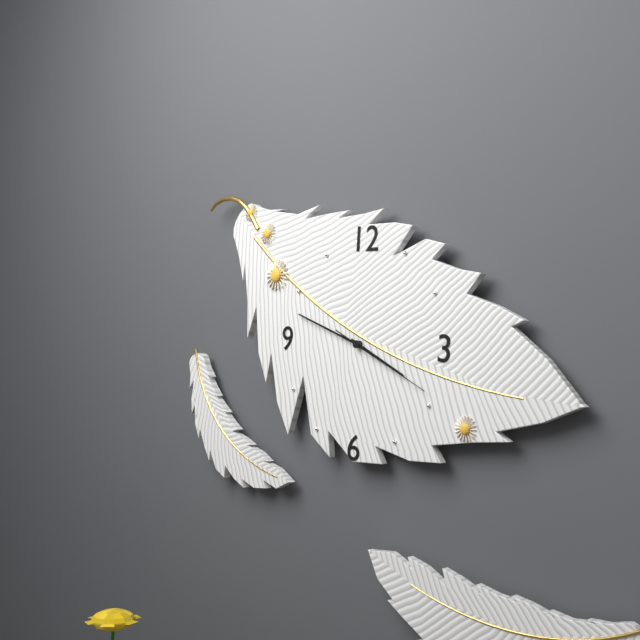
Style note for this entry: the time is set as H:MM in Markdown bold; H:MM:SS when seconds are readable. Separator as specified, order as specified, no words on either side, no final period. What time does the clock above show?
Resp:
**3:48:19**
